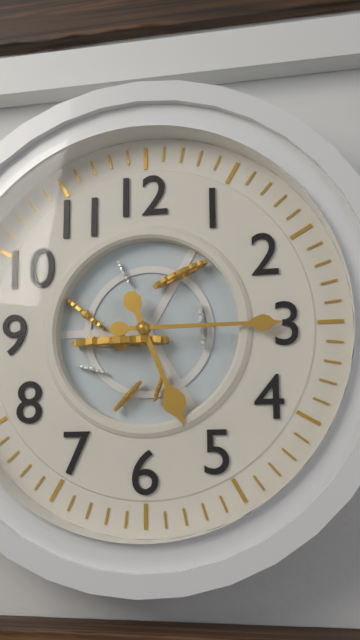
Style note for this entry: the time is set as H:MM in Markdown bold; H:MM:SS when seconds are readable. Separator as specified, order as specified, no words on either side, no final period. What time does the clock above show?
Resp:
**5:15**
